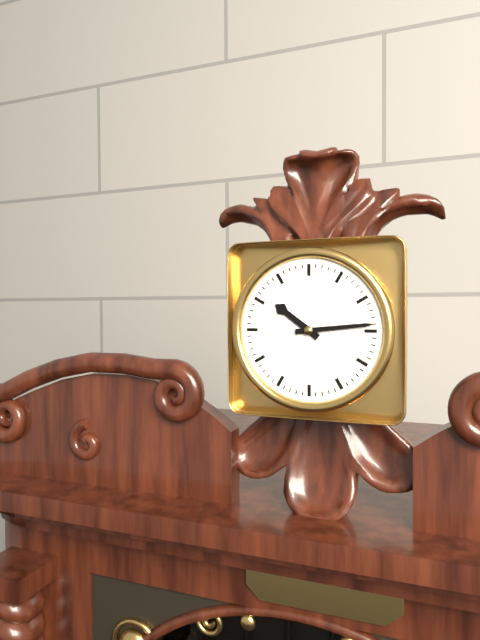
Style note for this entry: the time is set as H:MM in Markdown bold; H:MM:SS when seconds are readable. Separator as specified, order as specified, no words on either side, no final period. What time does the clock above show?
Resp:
**10:14**
